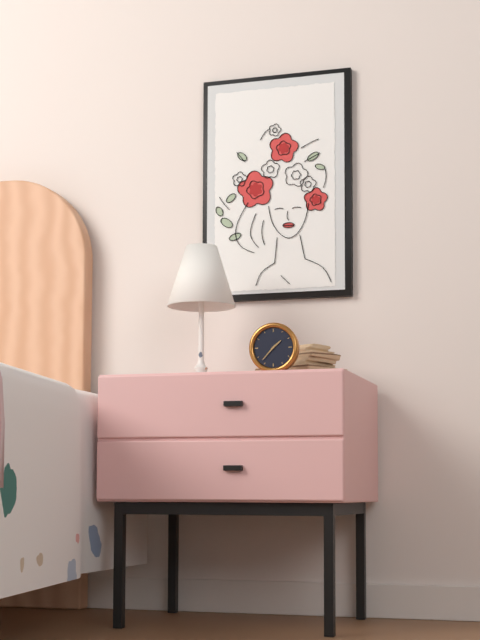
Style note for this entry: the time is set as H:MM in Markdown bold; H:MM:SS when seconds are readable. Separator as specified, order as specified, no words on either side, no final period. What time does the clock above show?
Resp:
**1:37**
